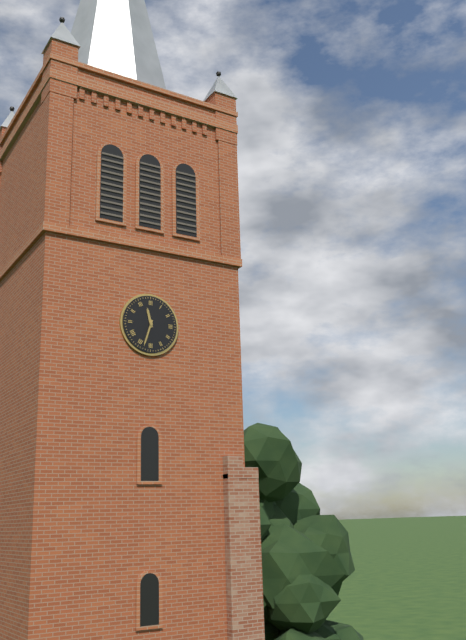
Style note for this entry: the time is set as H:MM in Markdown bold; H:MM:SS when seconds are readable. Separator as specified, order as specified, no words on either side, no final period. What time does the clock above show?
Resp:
**11:33**
